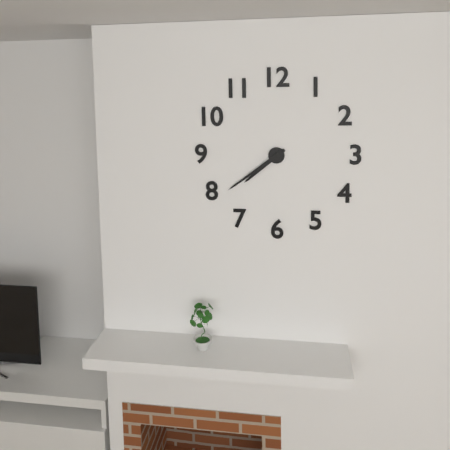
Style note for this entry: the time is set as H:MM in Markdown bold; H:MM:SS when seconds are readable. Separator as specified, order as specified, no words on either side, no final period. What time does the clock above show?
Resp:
**7:39**
